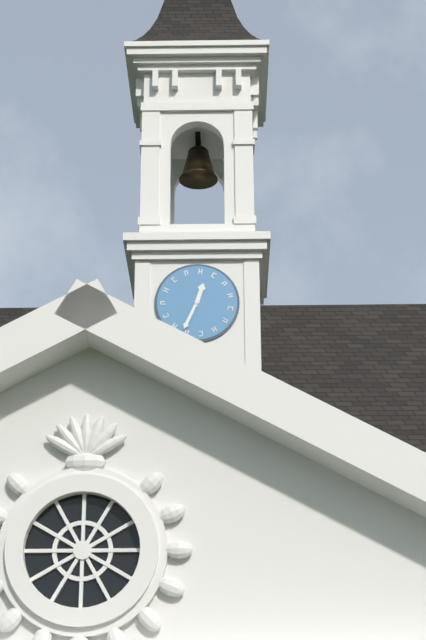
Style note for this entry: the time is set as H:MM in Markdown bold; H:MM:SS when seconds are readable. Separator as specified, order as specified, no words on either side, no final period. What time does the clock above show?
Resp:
**12:34**
